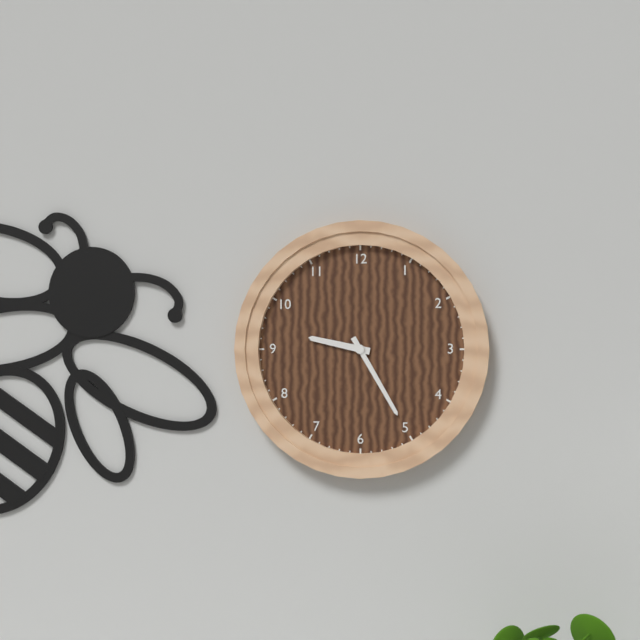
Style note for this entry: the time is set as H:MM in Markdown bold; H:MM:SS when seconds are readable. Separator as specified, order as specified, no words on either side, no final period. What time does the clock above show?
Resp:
**9:25**
